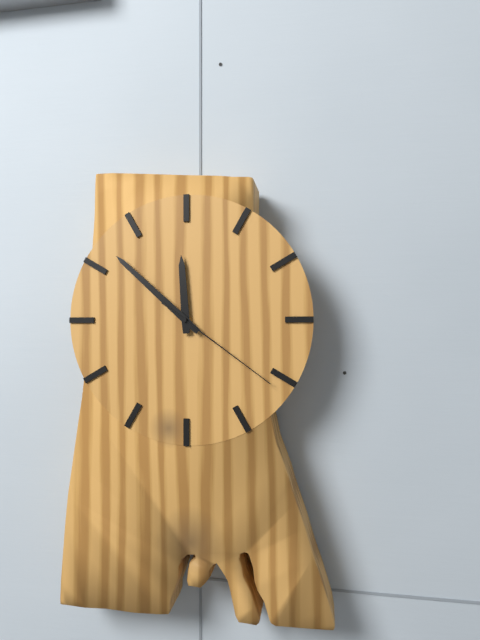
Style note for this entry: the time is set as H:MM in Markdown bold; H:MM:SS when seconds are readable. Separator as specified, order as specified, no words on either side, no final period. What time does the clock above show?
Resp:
**11:52:21**
